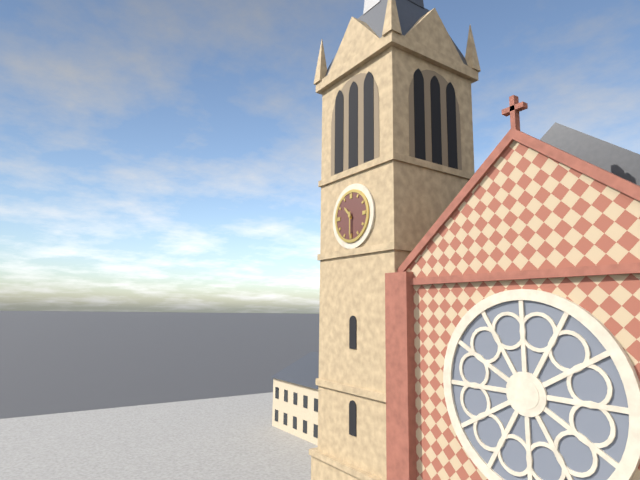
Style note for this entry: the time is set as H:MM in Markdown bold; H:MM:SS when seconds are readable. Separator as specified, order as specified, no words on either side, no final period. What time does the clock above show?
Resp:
**10:30**
